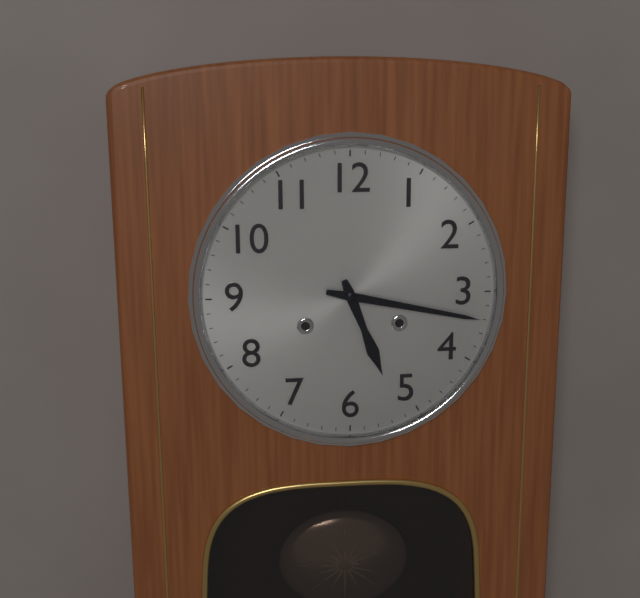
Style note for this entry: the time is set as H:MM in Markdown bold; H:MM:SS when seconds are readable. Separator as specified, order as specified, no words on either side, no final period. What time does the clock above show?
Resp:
**5:17**
